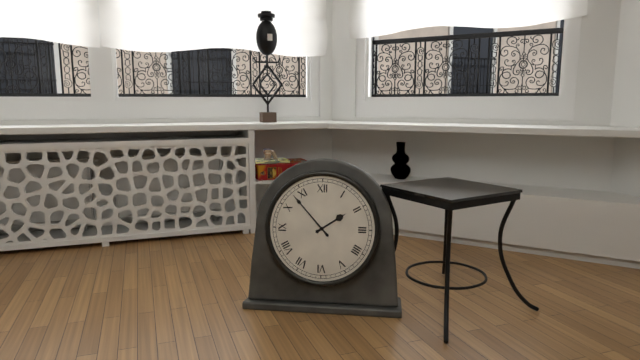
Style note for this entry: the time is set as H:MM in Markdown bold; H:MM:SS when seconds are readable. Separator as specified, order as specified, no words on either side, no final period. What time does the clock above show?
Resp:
**1:53**
